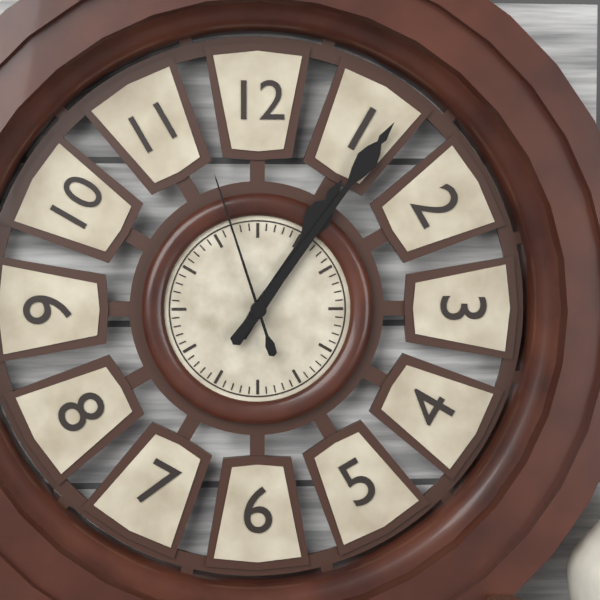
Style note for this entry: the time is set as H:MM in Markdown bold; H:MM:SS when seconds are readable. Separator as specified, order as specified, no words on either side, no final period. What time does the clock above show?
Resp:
**1:06:57**
